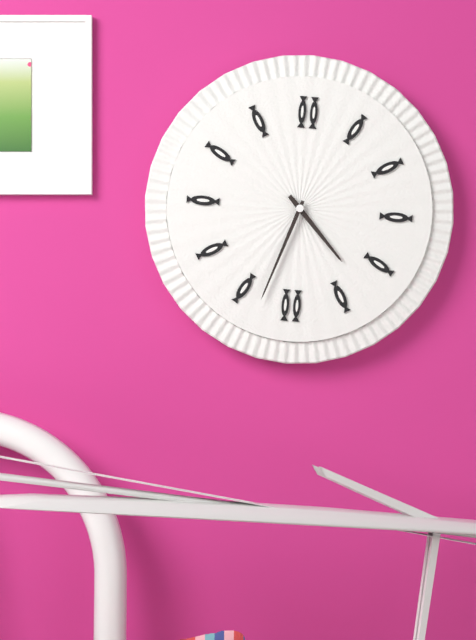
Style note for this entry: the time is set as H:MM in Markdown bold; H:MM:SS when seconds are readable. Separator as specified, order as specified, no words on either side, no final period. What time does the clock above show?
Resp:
**4:33**
